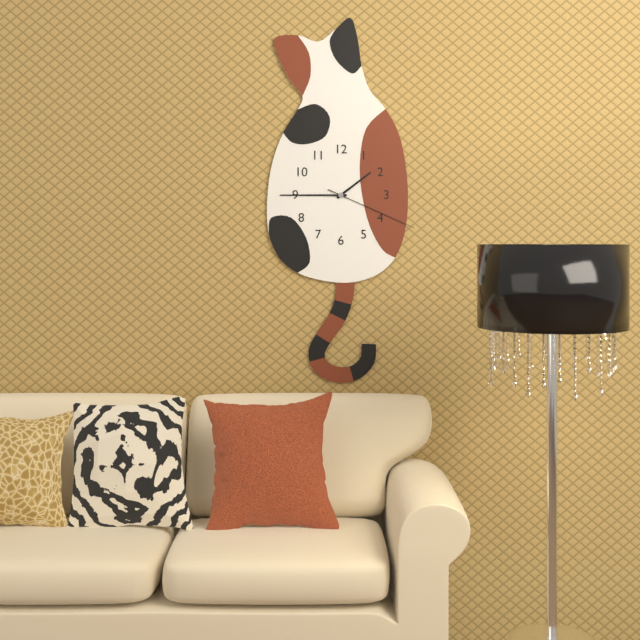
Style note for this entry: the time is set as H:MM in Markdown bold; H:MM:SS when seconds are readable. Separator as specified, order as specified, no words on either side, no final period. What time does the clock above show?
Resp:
**1:45:19**
